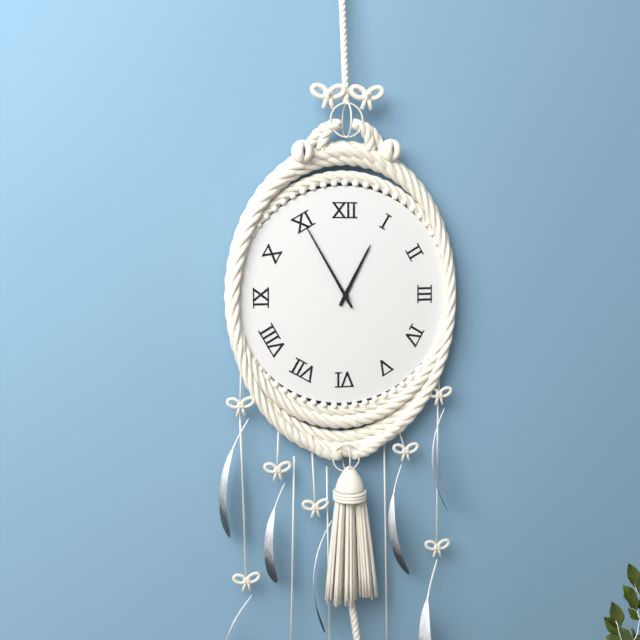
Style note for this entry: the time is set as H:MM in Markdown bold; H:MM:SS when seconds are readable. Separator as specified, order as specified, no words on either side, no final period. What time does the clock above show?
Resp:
**12:55**
